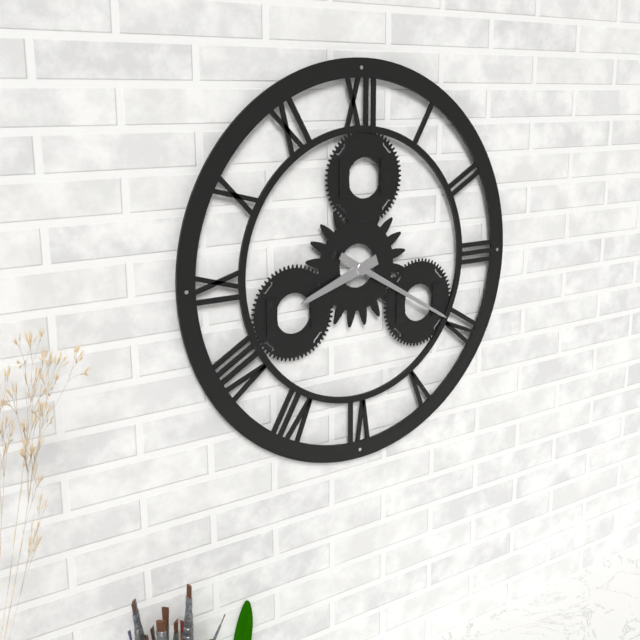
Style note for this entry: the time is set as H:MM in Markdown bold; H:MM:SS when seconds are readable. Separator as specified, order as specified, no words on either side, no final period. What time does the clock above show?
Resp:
**8:20**
